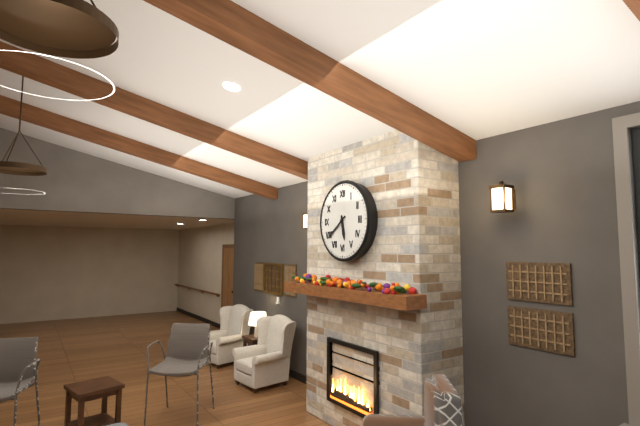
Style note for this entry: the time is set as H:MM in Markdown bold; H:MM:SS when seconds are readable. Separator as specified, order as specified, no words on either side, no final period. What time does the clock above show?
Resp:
**5:39**
